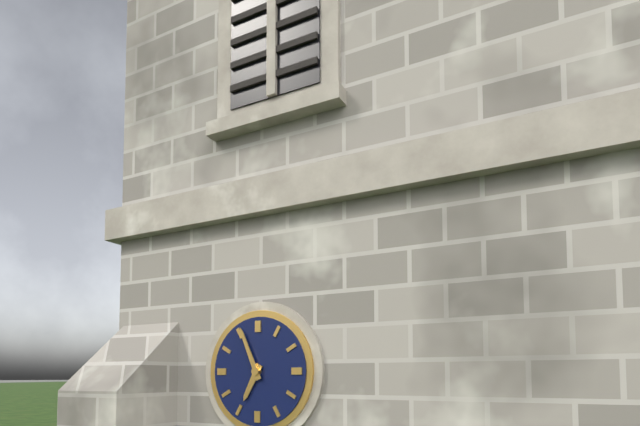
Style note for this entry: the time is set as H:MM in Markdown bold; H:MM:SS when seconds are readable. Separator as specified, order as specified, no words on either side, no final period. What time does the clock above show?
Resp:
**6:56**
